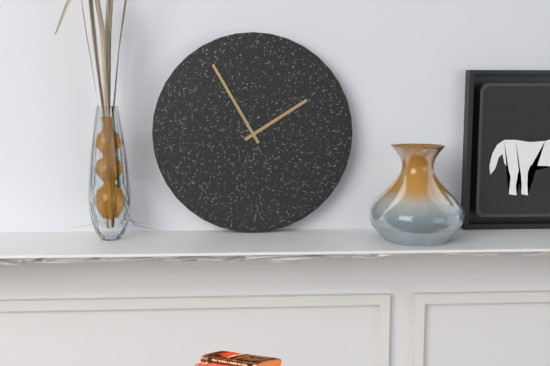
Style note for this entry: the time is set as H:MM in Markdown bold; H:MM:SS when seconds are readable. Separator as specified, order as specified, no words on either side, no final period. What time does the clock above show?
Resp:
**1:55**
